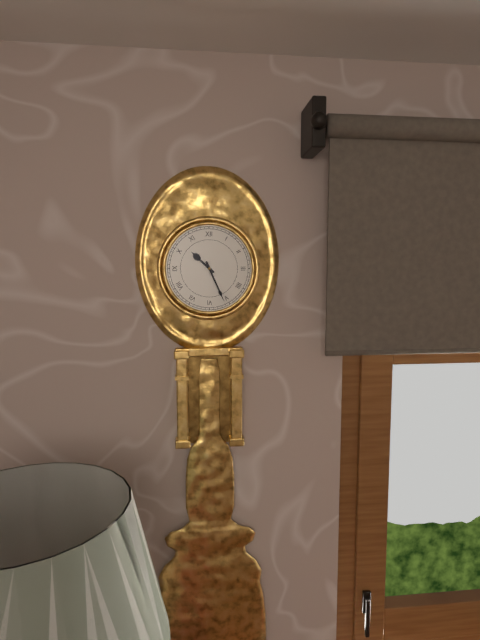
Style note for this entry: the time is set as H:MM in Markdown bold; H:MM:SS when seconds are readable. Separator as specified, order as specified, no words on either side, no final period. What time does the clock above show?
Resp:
**10:26**
